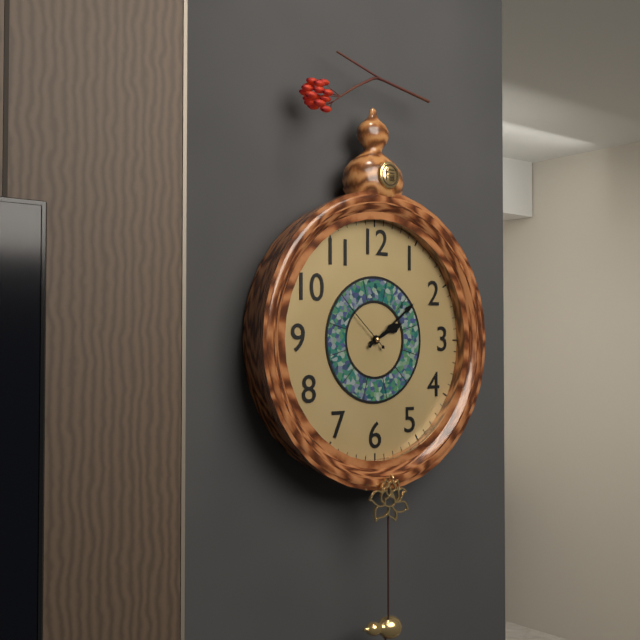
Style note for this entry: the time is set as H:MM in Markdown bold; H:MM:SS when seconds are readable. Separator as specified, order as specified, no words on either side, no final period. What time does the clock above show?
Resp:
**2:09**
